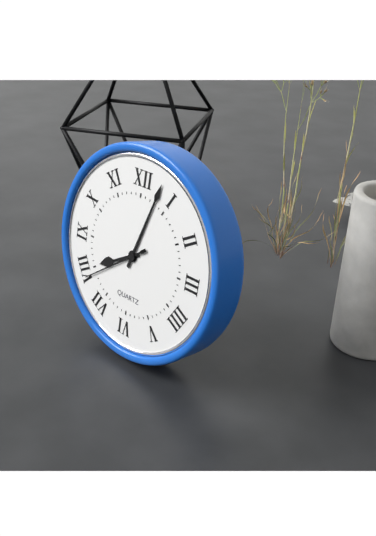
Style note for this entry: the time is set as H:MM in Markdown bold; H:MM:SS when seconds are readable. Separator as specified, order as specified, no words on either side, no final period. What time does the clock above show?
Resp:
**8:03:39**
